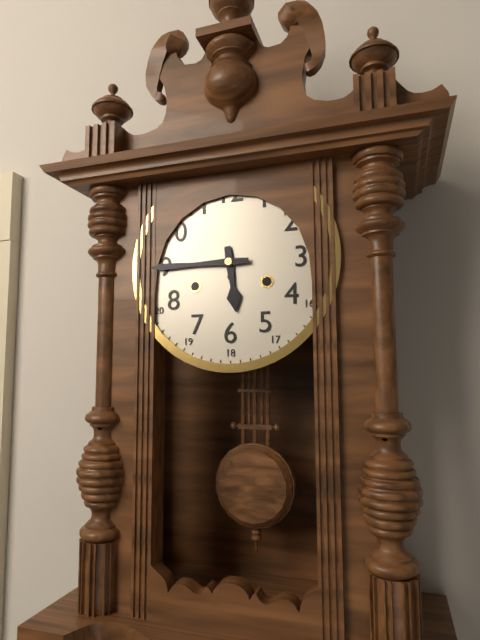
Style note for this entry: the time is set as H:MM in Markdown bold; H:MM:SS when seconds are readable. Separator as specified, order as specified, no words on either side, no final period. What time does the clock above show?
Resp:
**5:45**
